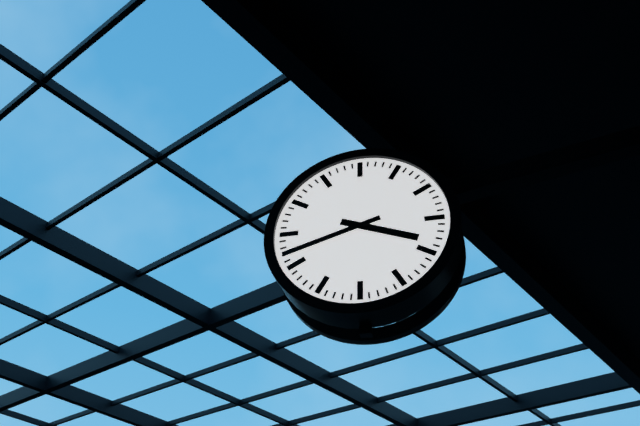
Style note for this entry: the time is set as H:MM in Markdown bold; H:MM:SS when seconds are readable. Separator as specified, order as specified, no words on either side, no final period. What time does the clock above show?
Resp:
**3:42**
